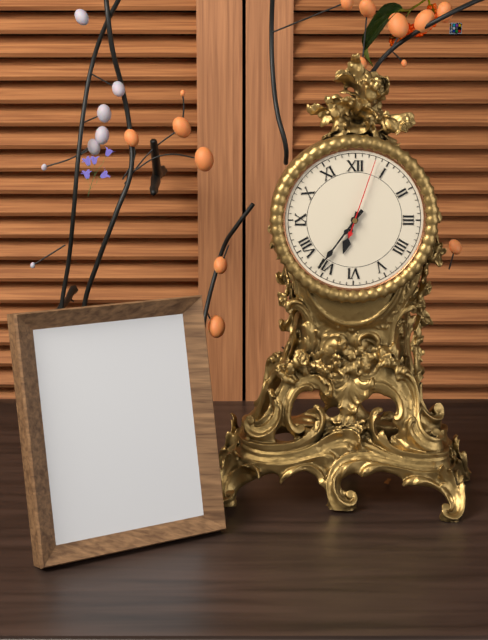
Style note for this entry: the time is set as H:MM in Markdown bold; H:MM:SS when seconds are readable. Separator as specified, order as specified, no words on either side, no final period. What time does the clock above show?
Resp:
**6:36:03**
